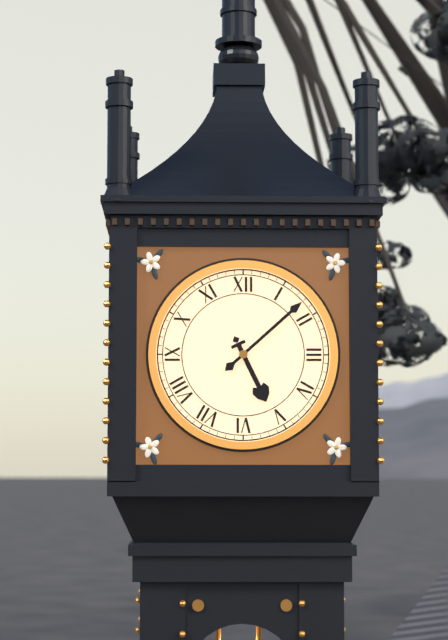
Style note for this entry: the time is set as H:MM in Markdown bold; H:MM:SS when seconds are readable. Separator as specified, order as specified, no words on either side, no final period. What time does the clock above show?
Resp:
**5:08**
